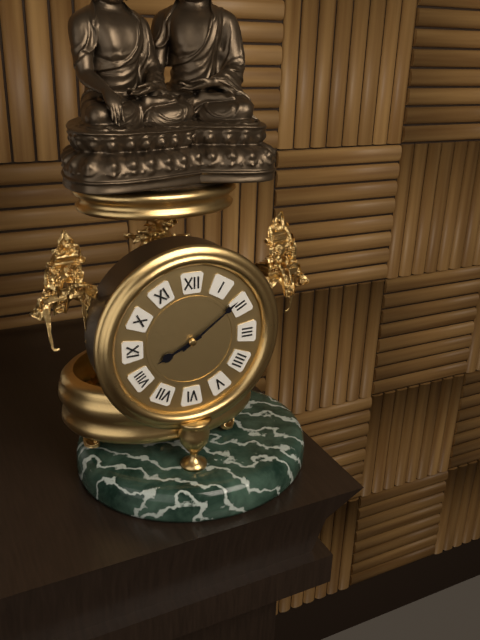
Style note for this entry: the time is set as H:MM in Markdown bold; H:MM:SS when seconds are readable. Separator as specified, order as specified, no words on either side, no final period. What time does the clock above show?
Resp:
**8:09**
